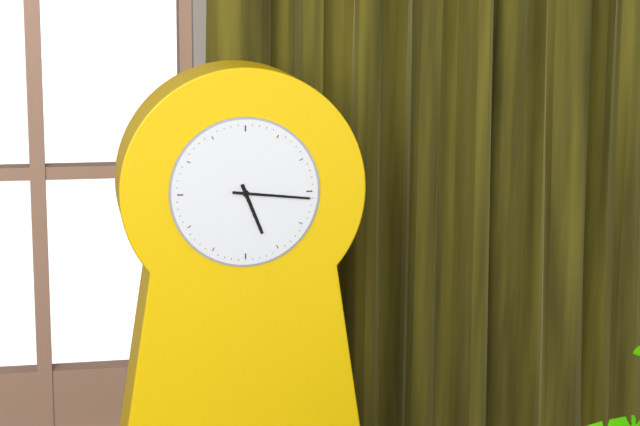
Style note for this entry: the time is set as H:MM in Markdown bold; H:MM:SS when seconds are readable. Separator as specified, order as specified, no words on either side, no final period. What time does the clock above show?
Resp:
**5:16**
